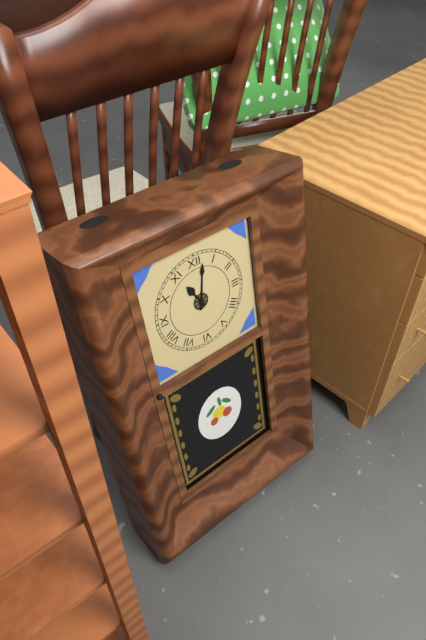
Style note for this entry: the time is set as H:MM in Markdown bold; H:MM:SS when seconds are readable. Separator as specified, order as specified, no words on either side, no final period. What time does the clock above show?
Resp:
**11:02**
